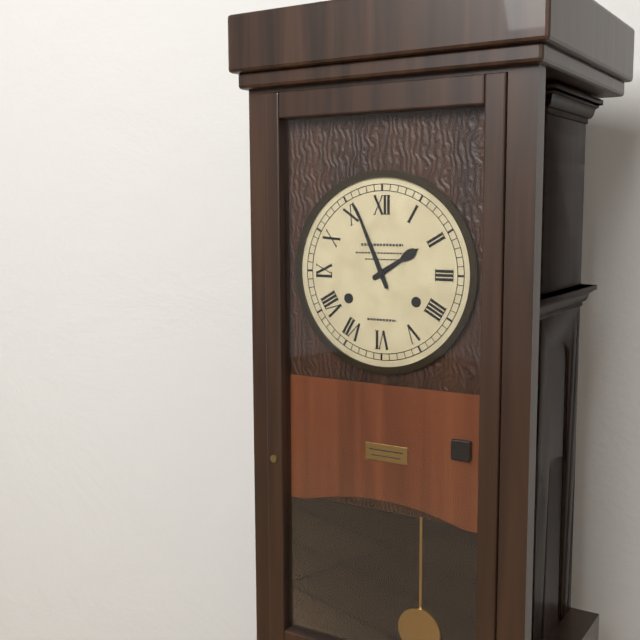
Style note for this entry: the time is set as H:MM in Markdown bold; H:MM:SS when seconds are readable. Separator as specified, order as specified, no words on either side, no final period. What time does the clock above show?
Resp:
**1:56**
